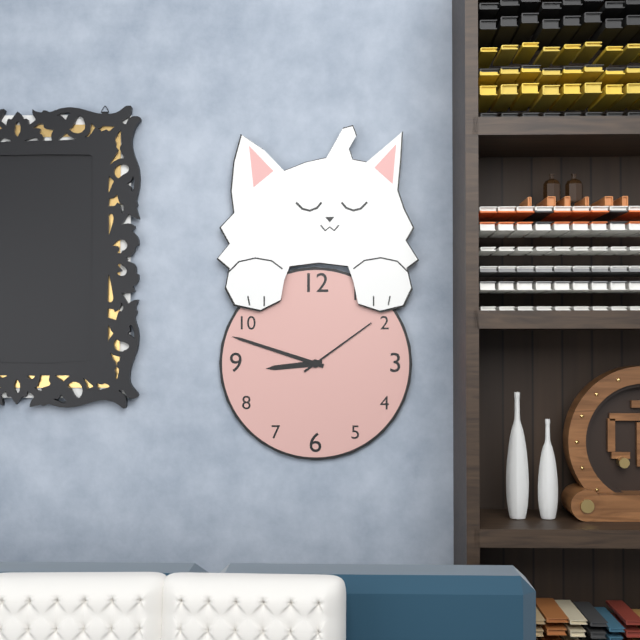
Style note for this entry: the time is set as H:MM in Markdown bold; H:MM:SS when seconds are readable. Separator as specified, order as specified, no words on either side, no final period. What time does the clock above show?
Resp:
**8:48:09**
